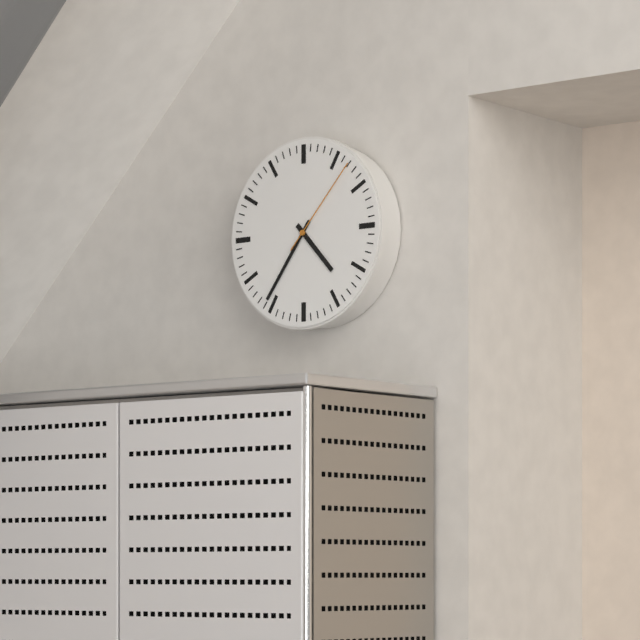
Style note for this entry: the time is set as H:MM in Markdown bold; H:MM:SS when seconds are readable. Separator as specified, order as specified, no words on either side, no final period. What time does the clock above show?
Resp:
**4:36:07**
